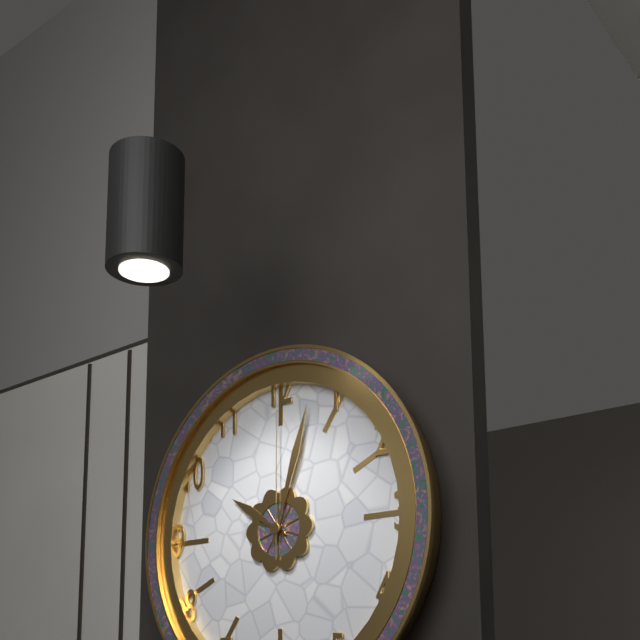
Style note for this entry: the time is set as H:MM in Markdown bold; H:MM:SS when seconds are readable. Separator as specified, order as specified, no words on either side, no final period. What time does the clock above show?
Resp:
**10:03:00**
